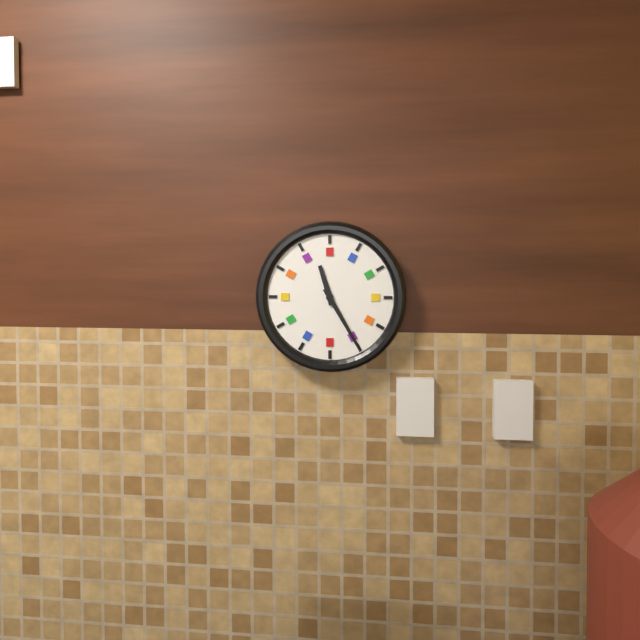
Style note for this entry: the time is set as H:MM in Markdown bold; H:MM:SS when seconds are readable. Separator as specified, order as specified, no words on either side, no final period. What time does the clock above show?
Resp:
**11:25**
